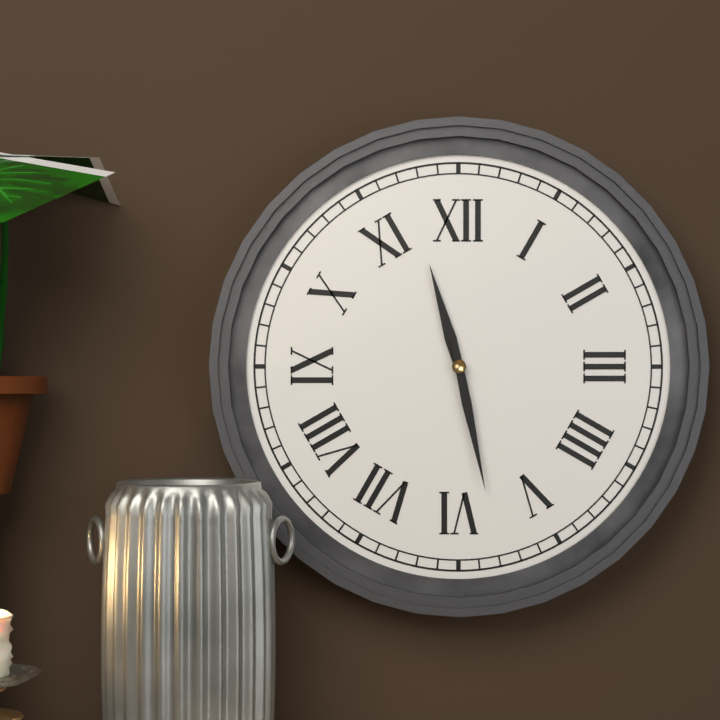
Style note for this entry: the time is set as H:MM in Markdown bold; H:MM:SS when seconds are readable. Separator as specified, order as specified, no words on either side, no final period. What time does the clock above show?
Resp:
**11:28**
